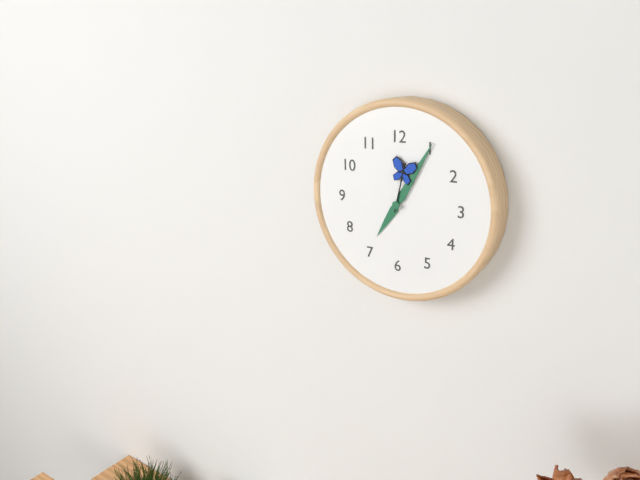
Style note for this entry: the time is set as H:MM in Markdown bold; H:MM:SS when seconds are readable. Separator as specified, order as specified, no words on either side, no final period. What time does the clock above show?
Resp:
**7:05:02**
